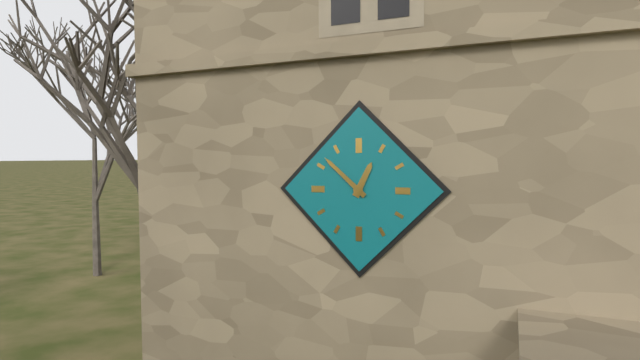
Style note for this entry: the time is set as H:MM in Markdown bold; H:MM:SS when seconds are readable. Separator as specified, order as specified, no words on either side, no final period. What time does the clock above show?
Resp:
**12:52**
